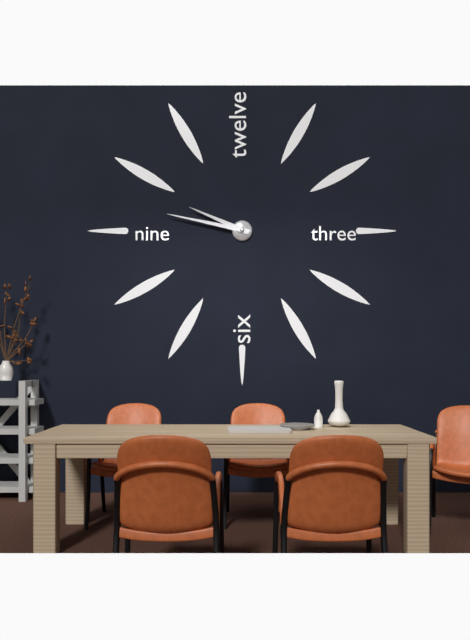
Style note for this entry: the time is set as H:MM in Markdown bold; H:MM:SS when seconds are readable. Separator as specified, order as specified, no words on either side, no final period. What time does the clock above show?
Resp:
**9:47**
